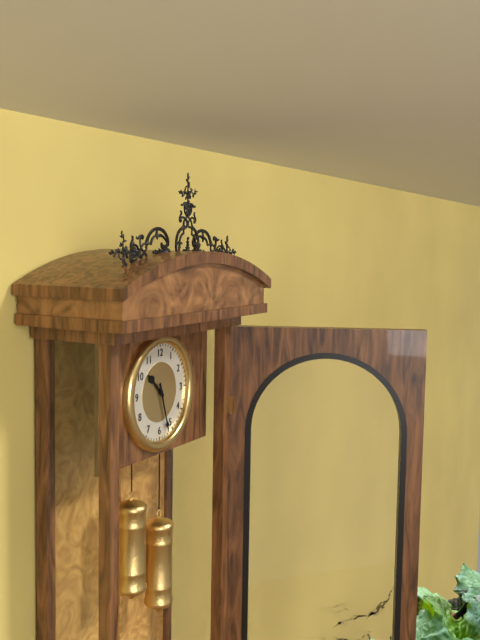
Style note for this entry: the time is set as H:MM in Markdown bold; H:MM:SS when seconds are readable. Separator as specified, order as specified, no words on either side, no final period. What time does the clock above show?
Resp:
**10:27**
